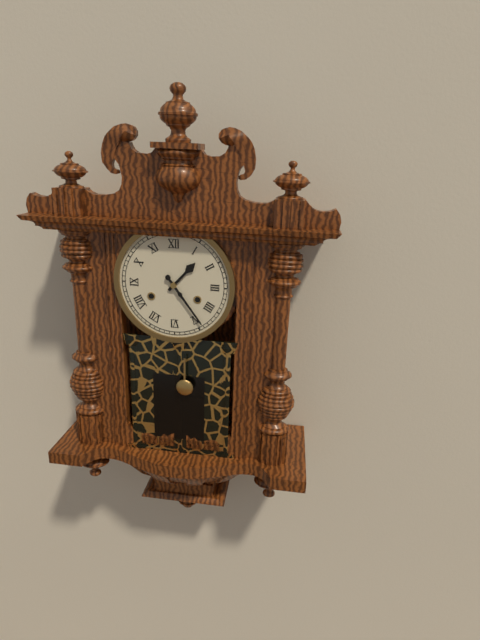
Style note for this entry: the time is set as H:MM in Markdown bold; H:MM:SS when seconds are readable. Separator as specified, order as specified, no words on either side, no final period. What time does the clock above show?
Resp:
**1:24**
